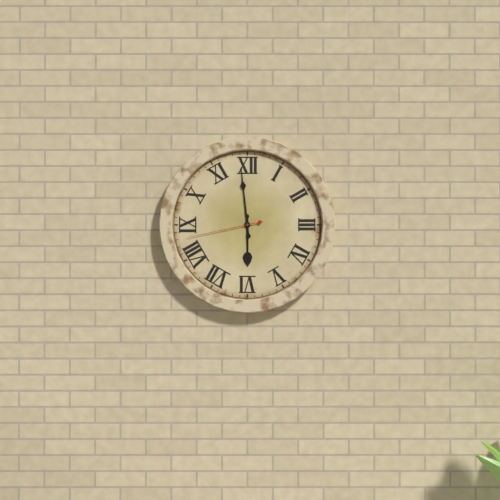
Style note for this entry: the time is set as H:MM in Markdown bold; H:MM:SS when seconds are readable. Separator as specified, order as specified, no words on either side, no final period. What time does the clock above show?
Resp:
**5:59:43**
